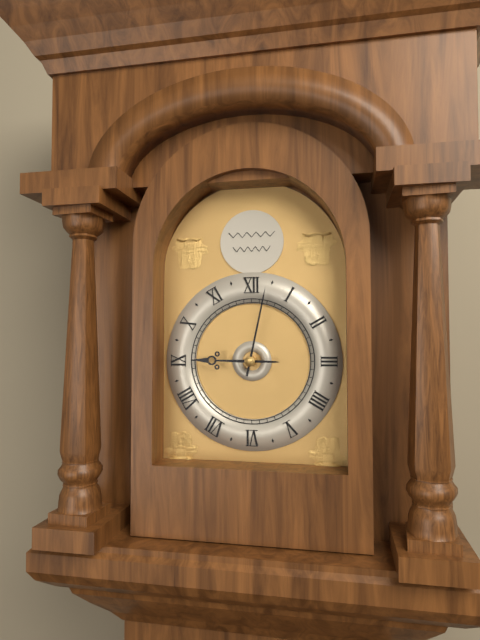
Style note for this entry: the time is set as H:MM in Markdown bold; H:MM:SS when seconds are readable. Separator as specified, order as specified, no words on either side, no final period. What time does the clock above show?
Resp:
**9:02**
